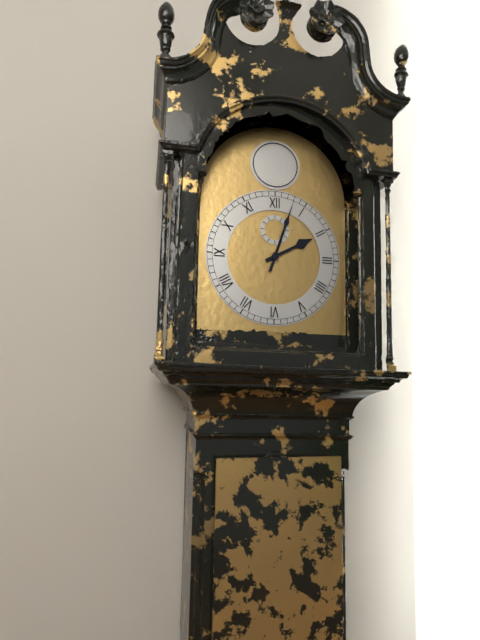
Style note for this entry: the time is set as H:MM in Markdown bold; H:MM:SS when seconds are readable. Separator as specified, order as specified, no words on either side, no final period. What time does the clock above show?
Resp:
**2:03**
